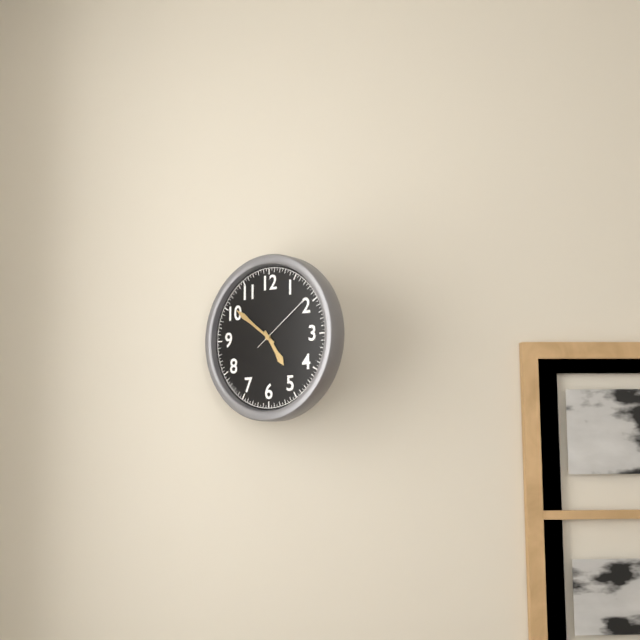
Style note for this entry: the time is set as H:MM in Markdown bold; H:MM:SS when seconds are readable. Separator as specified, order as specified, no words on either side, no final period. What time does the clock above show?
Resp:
**4:51:09**
